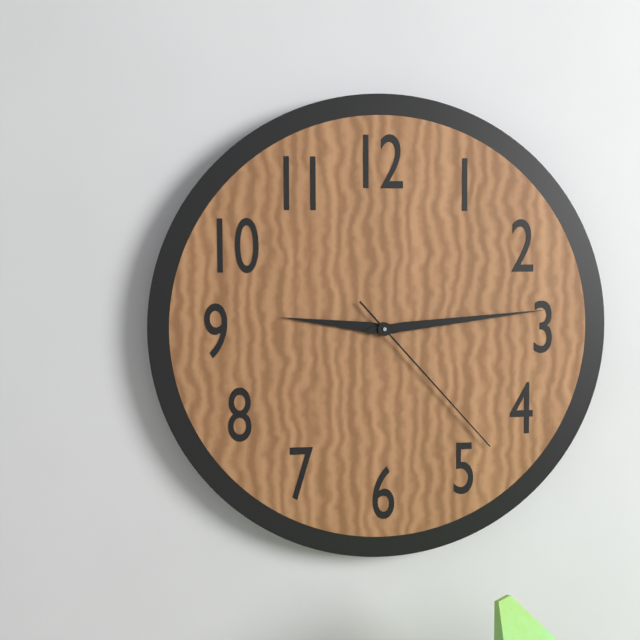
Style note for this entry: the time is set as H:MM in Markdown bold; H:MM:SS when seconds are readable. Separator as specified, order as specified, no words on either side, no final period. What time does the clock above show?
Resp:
**9:14:23**
